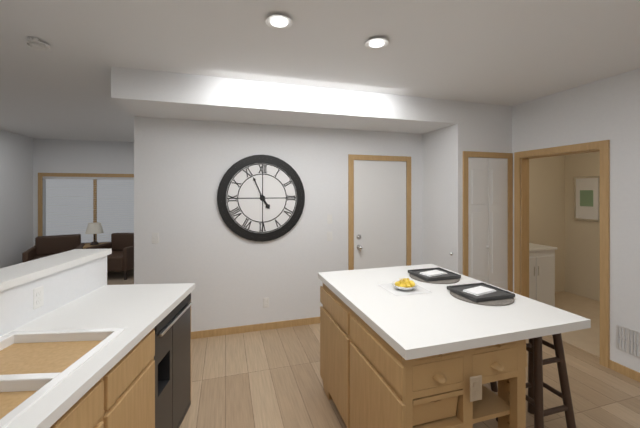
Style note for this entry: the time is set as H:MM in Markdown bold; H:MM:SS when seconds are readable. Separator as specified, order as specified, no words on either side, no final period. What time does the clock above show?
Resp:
**4:56**
